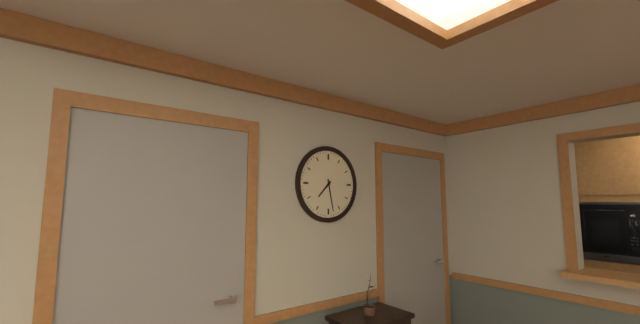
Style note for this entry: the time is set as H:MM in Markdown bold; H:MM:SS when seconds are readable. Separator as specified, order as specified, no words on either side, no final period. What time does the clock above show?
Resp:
**7:28**
